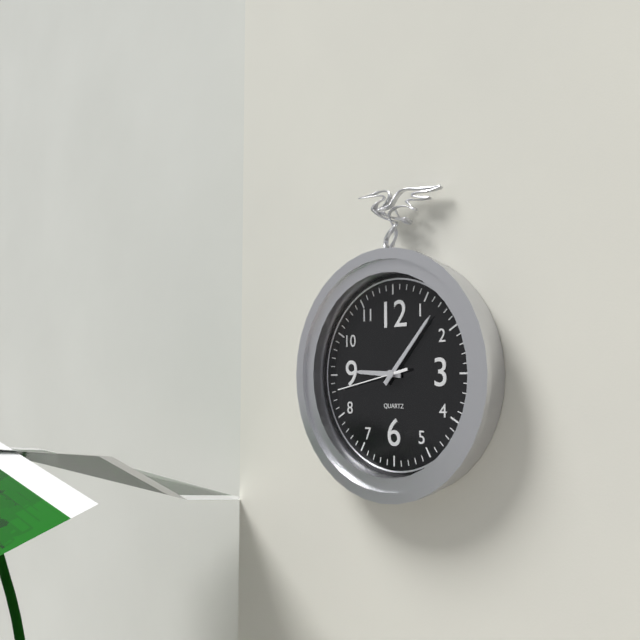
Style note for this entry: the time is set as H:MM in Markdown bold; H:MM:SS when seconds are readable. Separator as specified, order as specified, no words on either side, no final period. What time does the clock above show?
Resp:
**9:07:43**
